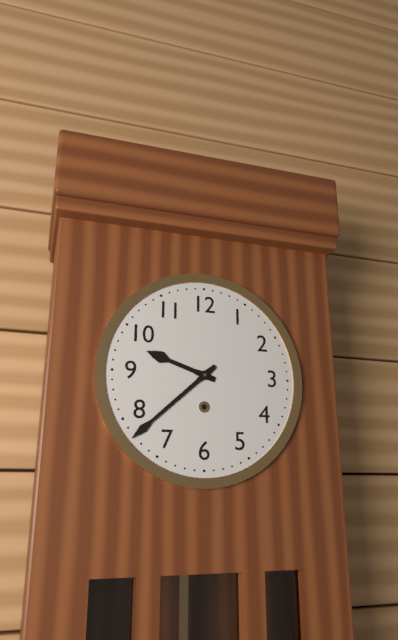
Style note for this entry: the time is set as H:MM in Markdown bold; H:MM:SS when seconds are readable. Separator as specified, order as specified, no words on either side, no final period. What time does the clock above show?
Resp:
**9:38**
